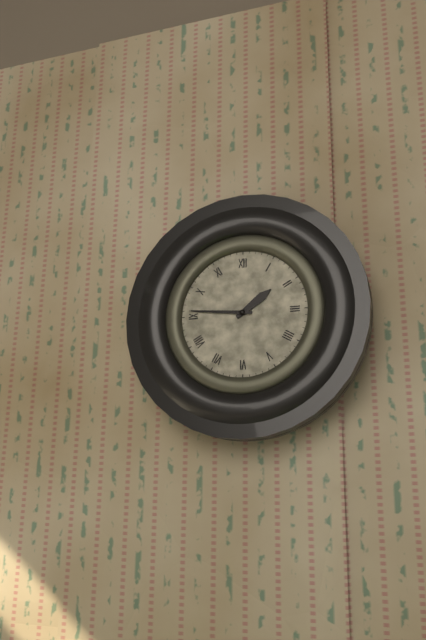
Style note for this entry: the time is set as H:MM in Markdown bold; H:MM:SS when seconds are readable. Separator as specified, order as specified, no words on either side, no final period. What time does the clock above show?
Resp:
**1:46**
